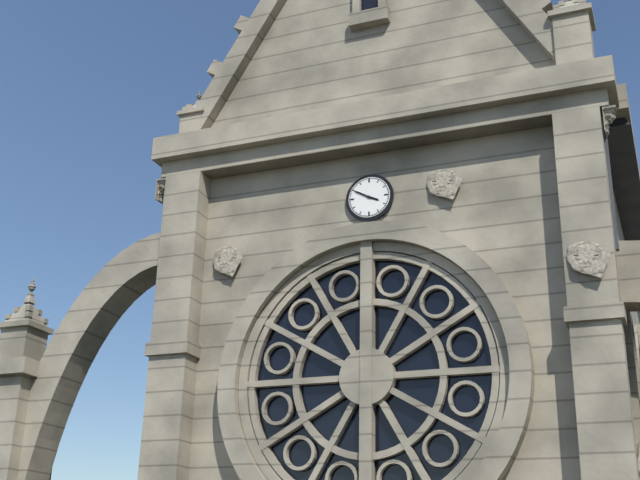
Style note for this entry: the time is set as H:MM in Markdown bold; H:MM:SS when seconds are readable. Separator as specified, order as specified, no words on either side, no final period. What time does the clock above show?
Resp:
**3:50**
